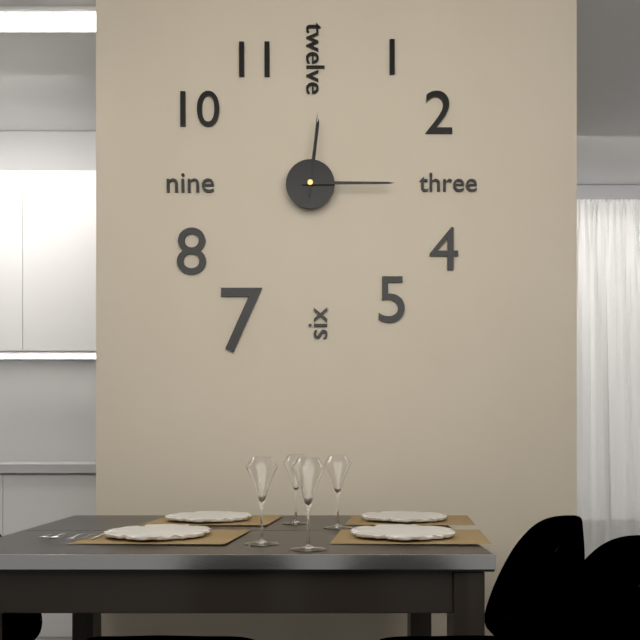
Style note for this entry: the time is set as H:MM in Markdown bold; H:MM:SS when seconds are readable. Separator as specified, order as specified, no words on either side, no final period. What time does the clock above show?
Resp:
**12:15:01**
